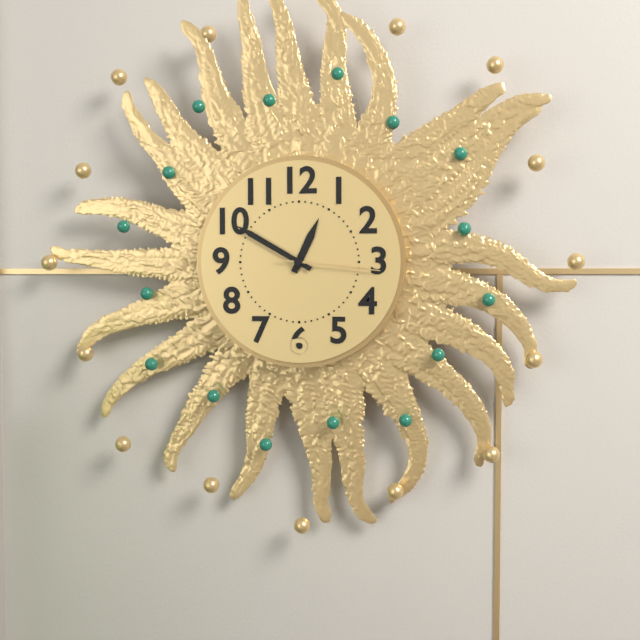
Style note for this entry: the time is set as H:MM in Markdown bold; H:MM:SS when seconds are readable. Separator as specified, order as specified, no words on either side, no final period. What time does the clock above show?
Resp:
**12:50:16**
